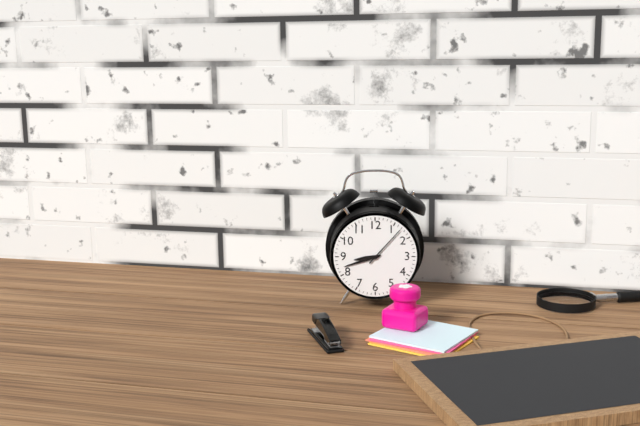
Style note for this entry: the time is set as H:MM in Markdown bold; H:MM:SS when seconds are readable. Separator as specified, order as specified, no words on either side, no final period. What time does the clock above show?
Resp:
**8:42**
